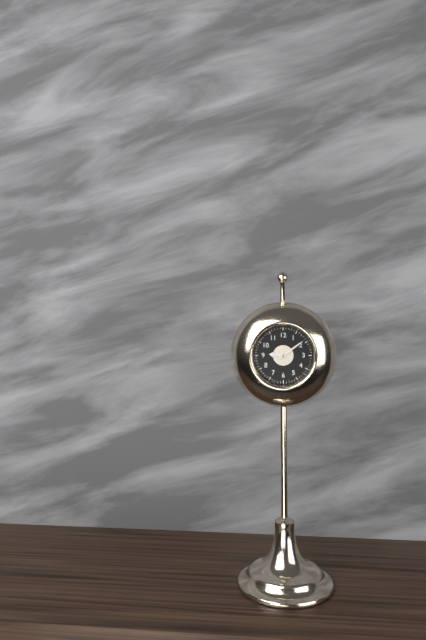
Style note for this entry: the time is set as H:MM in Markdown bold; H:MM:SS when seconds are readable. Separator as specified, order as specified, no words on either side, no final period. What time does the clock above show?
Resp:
**9:09**
